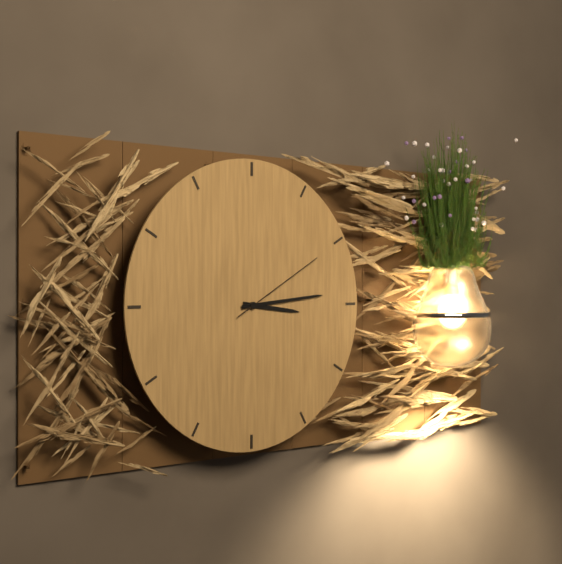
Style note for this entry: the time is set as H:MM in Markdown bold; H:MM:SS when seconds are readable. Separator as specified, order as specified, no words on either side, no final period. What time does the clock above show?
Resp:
**3:14:10**
